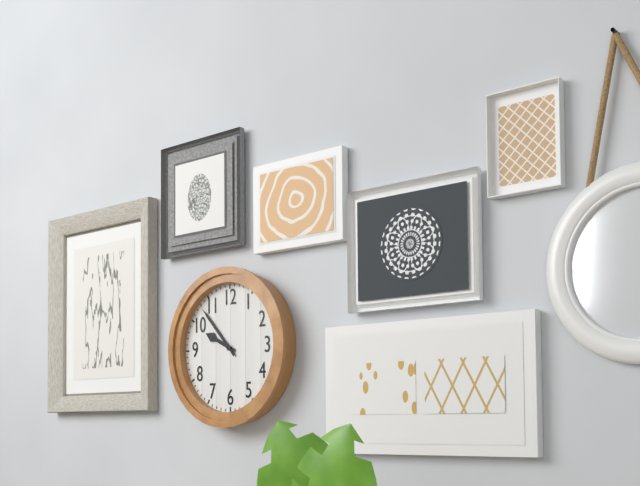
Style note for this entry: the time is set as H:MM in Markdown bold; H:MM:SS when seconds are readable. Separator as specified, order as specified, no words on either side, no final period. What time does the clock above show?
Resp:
**9:53**
